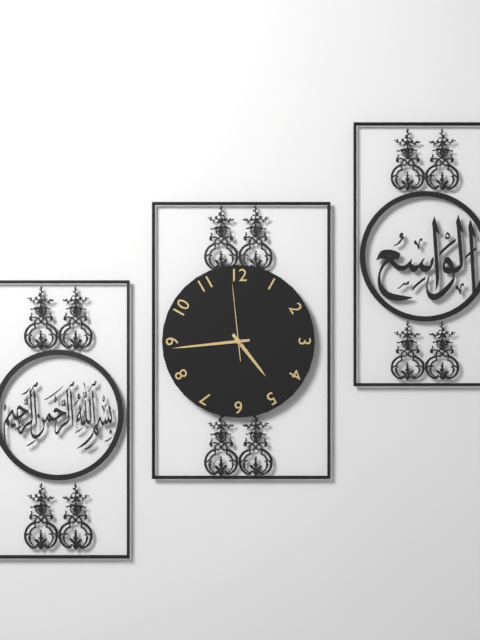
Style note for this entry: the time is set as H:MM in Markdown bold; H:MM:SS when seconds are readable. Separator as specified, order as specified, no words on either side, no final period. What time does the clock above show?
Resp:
**4:44:59**
